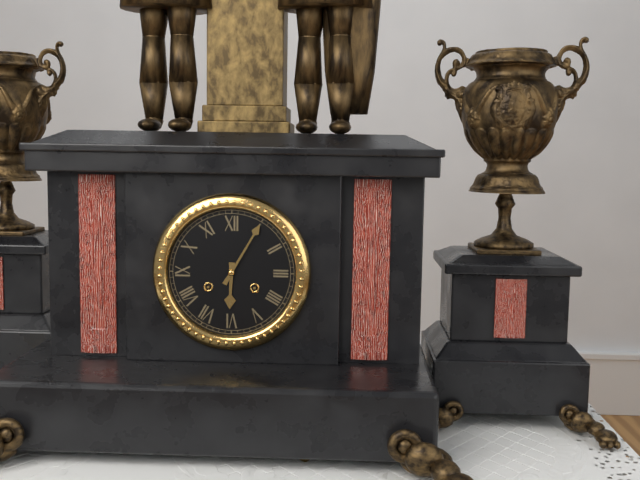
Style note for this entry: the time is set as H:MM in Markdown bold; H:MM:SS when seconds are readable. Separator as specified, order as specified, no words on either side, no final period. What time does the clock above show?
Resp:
**6:05**
